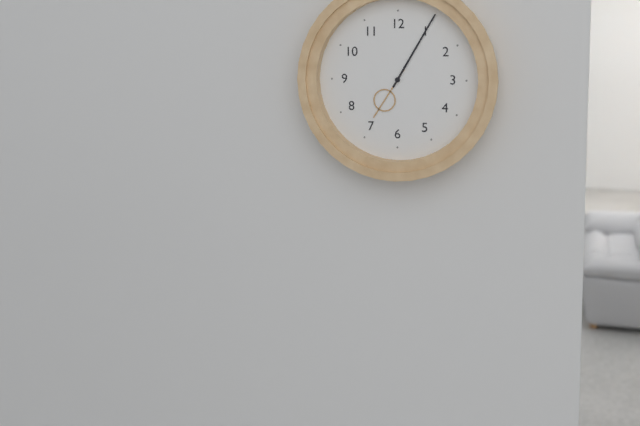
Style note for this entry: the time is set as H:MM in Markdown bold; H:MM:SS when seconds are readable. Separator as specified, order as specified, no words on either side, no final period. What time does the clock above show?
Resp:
**7:05**
